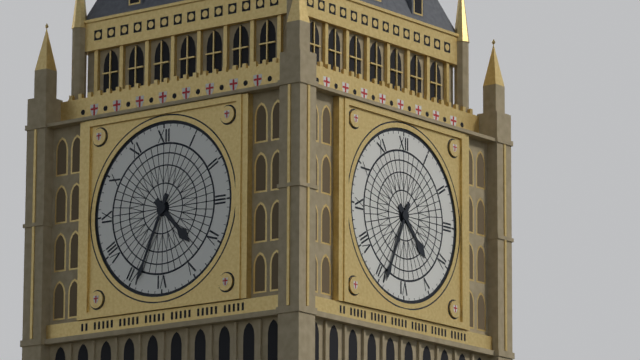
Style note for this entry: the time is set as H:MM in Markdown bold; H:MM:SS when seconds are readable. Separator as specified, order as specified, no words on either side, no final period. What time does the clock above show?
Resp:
**4:34**
